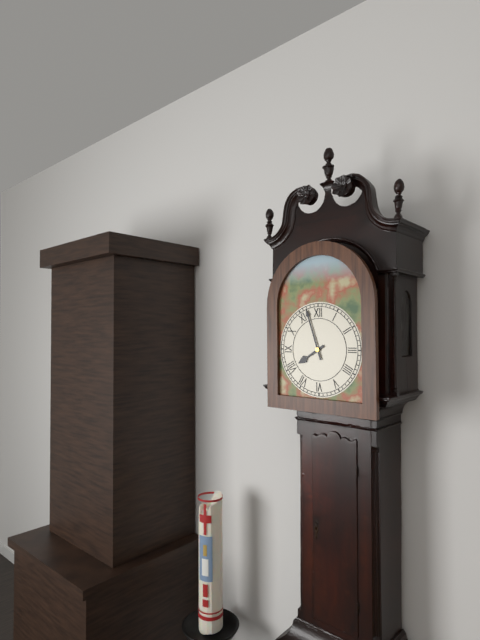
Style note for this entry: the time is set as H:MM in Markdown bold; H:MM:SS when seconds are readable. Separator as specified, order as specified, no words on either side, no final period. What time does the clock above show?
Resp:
**7:57**
